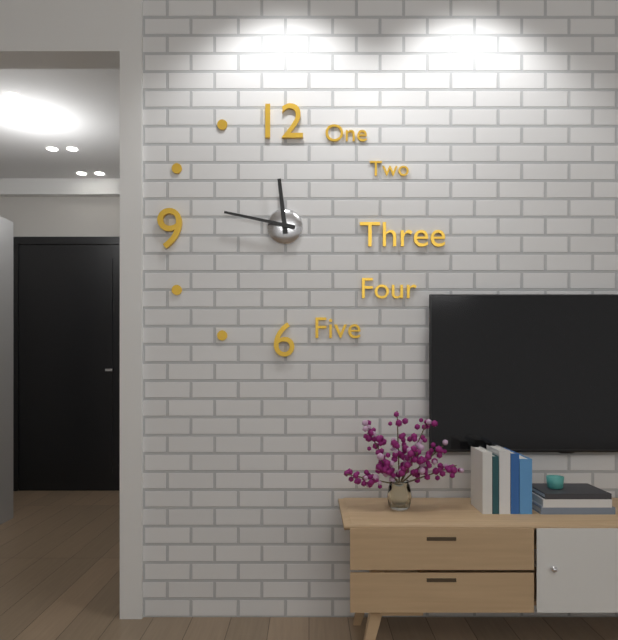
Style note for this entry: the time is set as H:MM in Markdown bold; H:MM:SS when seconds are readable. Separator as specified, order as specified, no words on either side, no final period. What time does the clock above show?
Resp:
**11:47**
